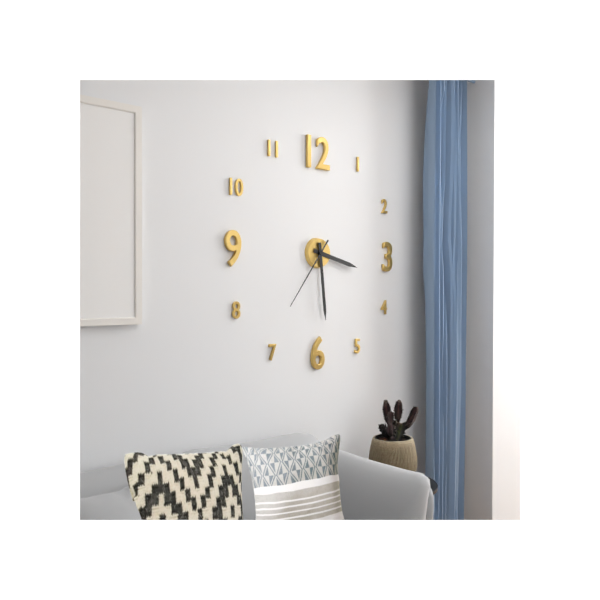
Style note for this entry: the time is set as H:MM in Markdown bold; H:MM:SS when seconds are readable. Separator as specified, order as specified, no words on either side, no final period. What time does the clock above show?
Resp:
**3:29:36**
